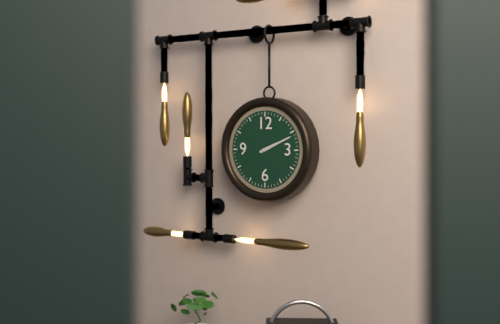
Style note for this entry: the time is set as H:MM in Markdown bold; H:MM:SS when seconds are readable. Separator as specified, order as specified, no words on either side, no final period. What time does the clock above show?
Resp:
**2:11**
